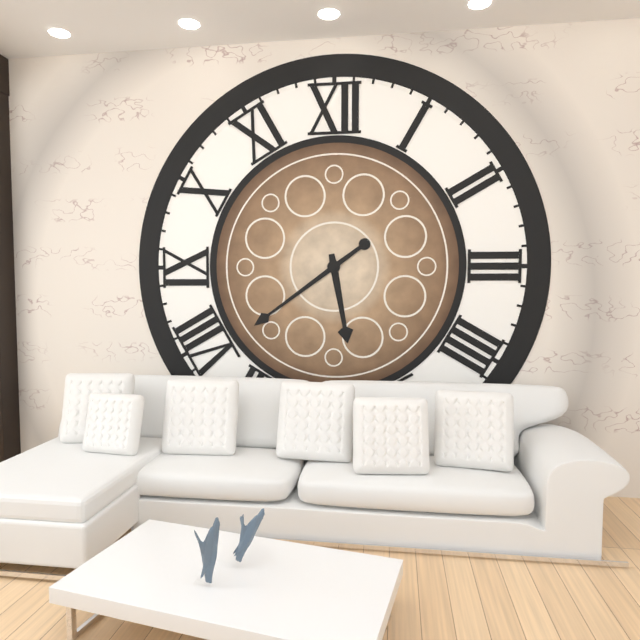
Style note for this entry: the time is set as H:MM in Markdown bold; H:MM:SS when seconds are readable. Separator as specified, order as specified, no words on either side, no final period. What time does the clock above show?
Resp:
**5:39**
